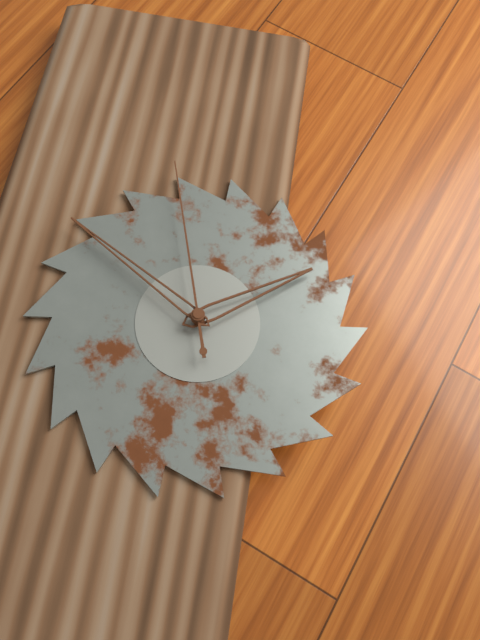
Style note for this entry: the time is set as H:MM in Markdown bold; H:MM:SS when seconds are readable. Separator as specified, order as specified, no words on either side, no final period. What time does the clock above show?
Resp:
**1:50:57**
